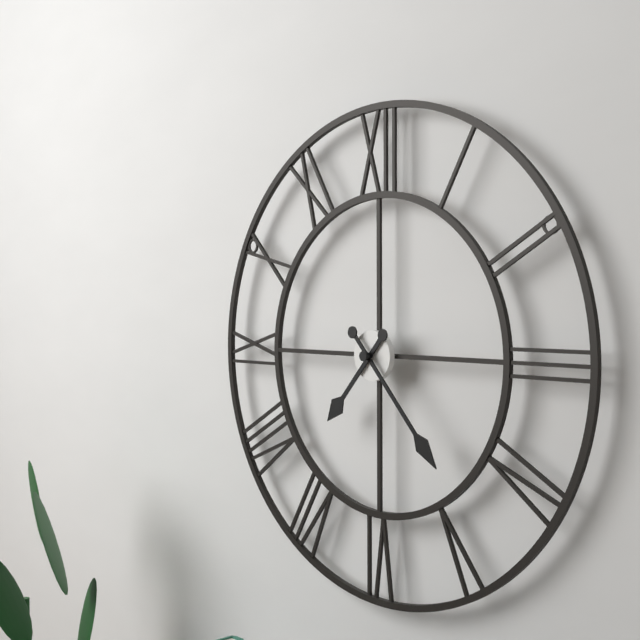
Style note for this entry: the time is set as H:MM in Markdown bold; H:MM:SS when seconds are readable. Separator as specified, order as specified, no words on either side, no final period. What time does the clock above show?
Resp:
**7:23**
